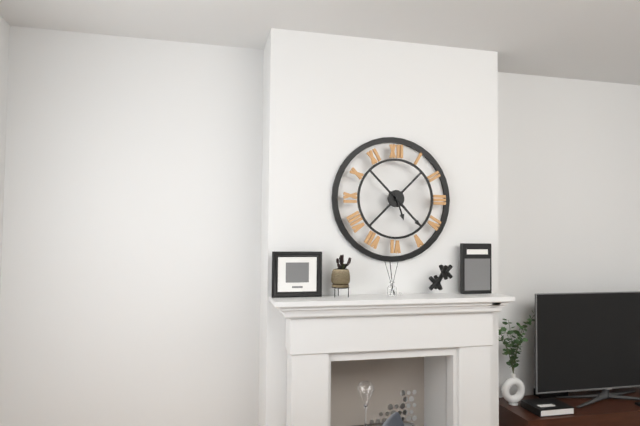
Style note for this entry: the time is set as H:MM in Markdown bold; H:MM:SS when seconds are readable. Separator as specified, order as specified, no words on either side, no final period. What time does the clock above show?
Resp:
**5:23**
